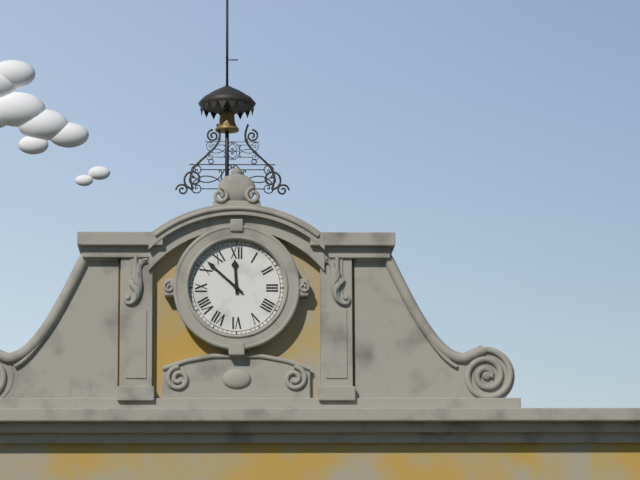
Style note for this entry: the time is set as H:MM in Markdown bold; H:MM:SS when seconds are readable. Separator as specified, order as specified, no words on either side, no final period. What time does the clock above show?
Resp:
**11:52**
